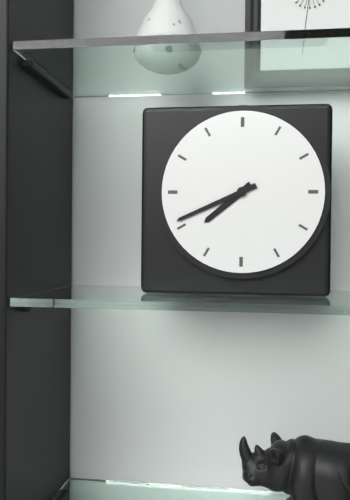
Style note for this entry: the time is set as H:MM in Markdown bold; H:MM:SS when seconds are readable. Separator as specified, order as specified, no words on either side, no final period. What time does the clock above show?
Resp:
**7:41**
